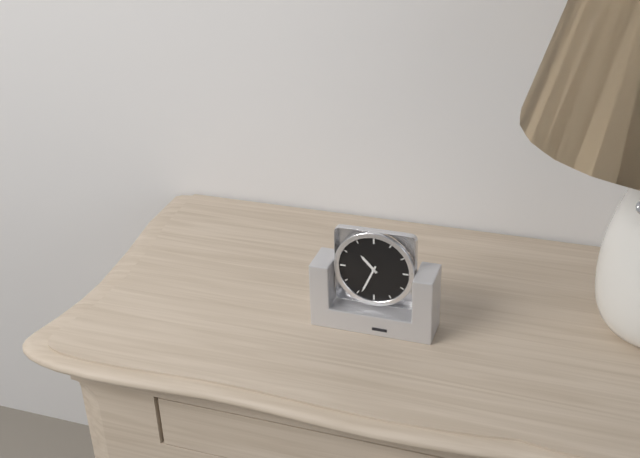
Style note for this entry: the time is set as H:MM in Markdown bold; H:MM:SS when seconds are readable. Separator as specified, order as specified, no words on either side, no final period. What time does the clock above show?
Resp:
**10:34**
